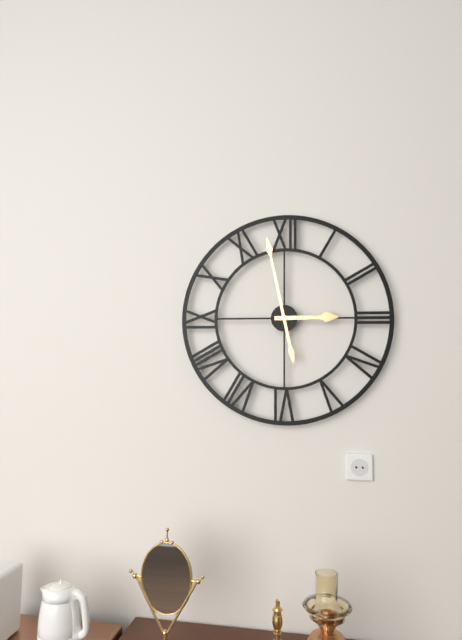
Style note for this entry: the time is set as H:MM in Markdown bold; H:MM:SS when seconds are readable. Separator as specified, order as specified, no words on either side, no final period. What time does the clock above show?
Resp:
**2:58**
